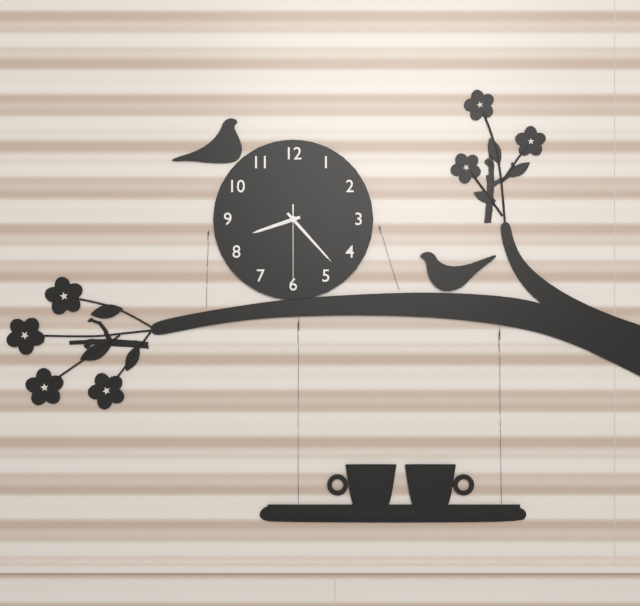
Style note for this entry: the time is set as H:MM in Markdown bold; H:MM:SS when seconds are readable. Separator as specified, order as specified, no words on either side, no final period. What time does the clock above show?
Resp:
**8:23:30**
